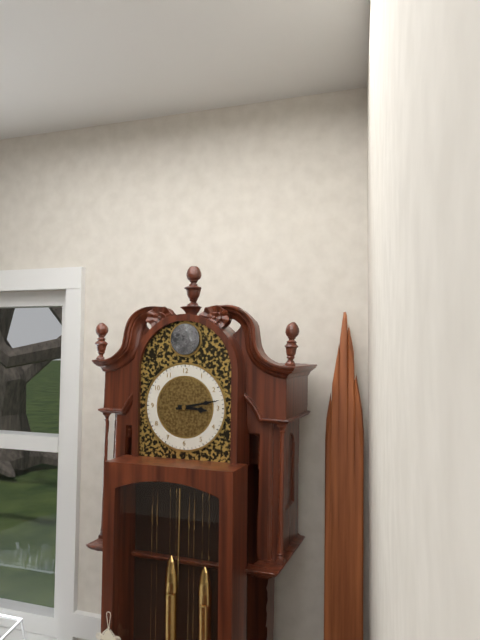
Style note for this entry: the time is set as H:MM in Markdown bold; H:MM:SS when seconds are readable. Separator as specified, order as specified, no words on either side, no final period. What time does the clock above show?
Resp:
**3:13**
